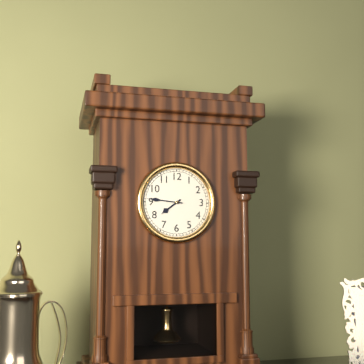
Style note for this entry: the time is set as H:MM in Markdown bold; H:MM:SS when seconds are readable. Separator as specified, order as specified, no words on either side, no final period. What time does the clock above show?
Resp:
**7:46**
